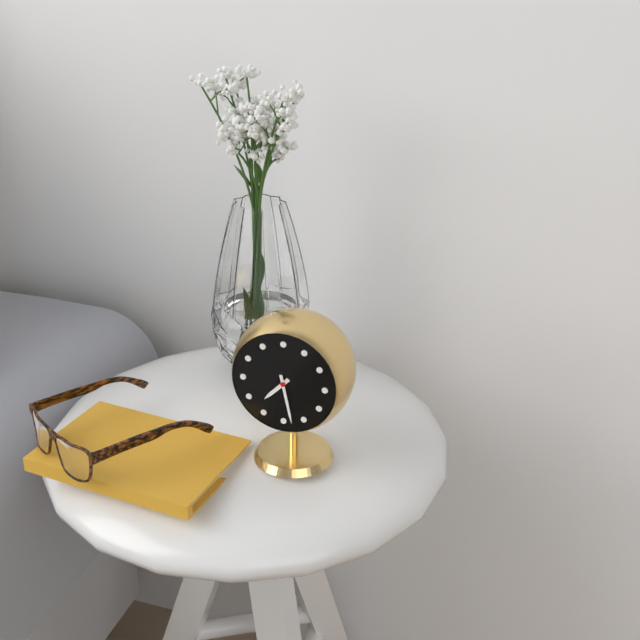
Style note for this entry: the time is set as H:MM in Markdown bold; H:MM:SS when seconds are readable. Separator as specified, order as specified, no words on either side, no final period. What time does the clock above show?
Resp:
**7:28**
